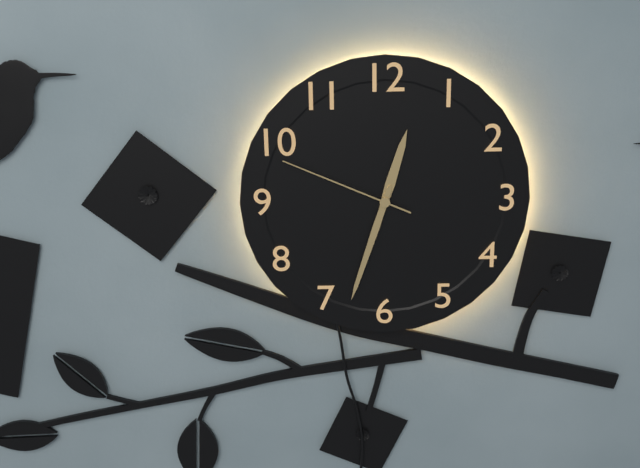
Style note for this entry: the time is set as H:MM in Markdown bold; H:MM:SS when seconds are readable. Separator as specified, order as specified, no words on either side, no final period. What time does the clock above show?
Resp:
**12:33:49**
